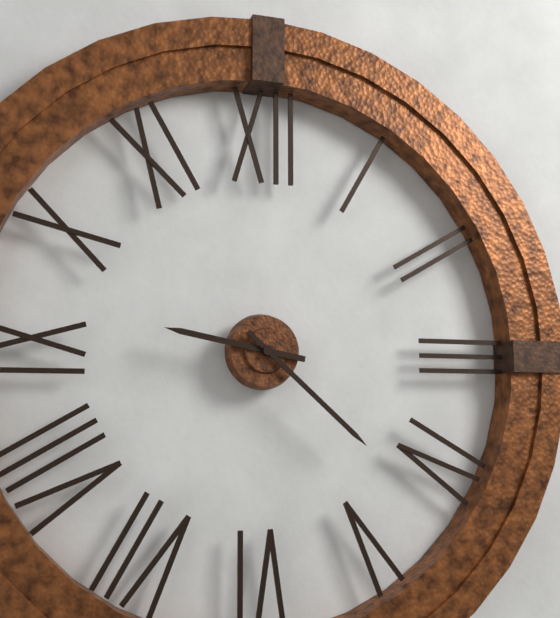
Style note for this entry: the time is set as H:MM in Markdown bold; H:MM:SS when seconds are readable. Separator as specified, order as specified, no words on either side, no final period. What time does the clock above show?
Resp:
**9:22**
